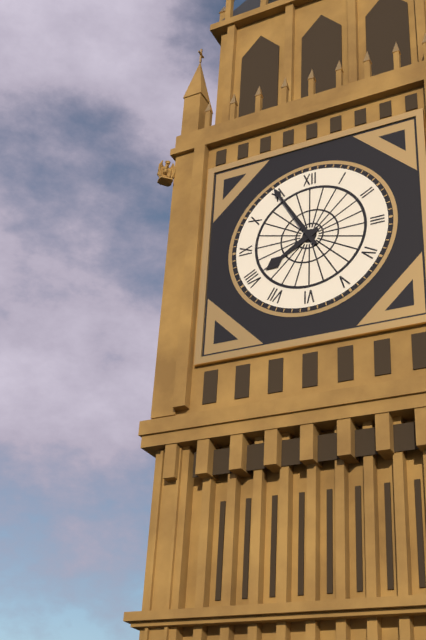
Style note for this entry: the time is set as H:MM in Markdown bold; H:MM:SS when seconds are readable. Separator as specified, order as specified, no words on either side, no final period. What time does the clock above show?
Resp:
**7:55**
